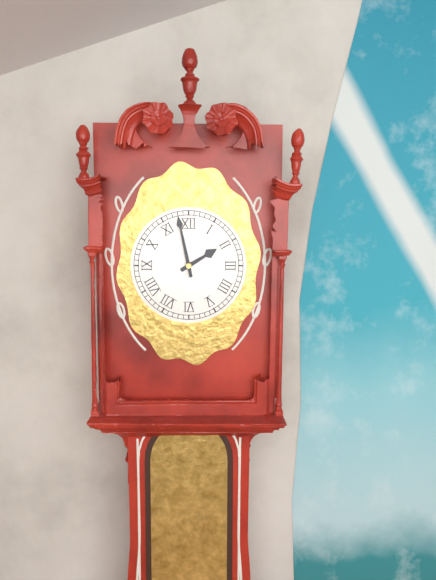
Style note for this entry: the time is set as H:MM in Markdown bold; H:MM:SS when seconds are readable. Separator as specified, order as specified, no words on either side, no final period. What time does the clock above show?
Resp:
**1:58**
